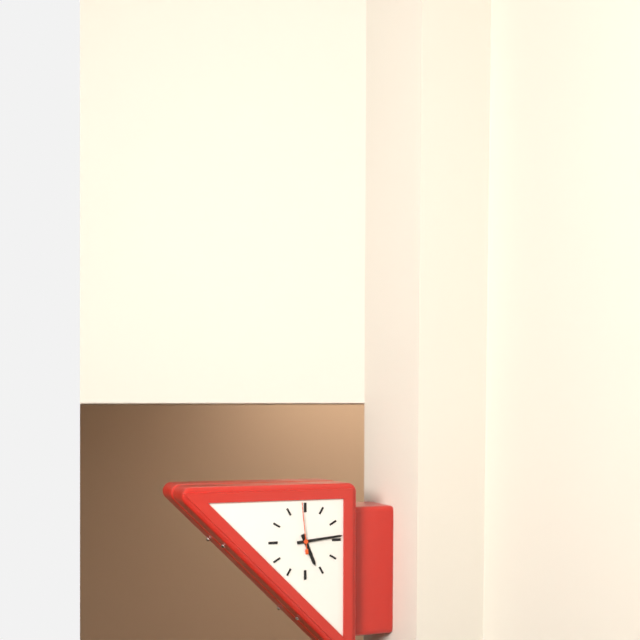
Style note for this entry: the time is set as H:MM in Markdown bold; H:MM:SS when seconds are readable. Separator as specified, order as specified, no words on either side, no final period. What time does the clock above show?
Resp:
**5:14**
